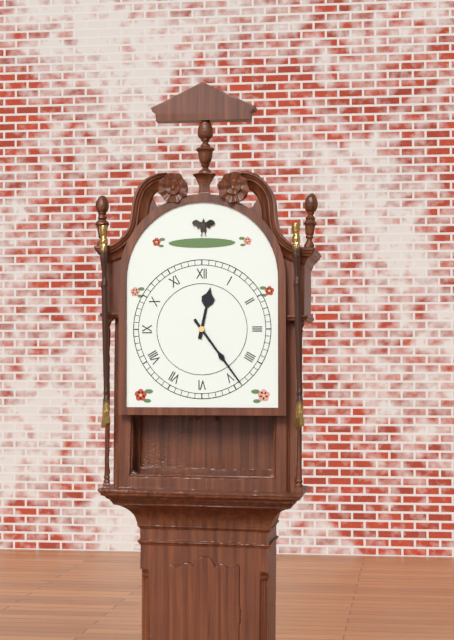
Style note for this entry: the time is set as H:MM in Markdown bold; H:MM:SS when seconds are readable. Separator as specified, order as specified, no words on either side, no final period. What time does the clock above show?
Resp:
**12:24**
